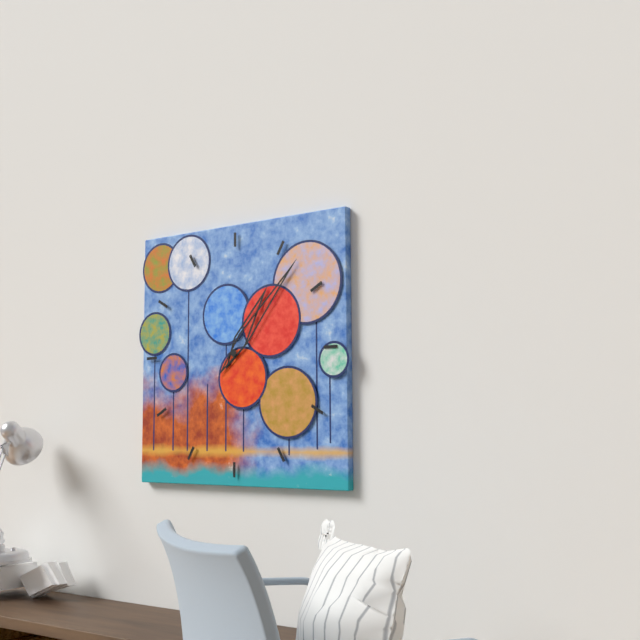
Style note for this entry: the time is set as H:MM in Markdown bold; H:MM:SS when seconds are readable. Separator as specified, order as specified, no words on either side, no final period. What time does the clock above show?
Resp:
**1:07**
